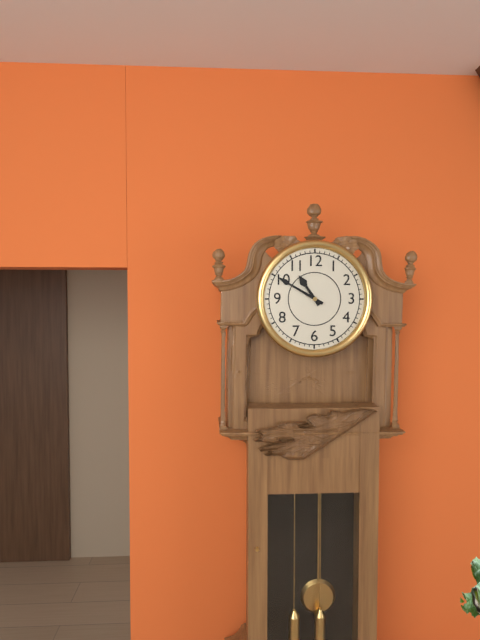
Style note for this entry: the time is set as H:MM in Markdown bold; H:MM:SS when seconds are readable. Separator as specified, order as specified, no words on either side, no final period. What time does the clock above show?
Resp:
**10:50**
